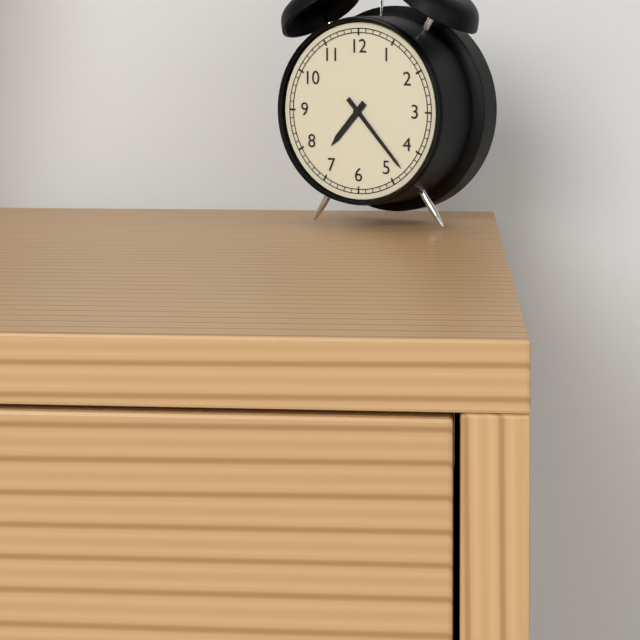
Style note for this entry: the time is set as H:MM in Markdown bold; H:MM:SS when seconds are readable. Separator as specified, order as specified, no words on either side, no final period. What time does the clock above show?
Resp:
**7:23**
